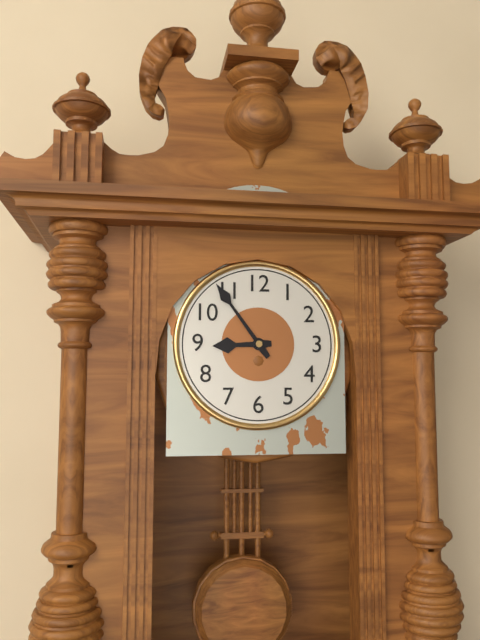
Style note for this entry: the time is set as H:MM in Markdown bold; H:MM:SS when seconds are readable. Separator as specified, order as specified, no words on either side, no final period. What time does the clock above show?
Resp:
**8:54**
